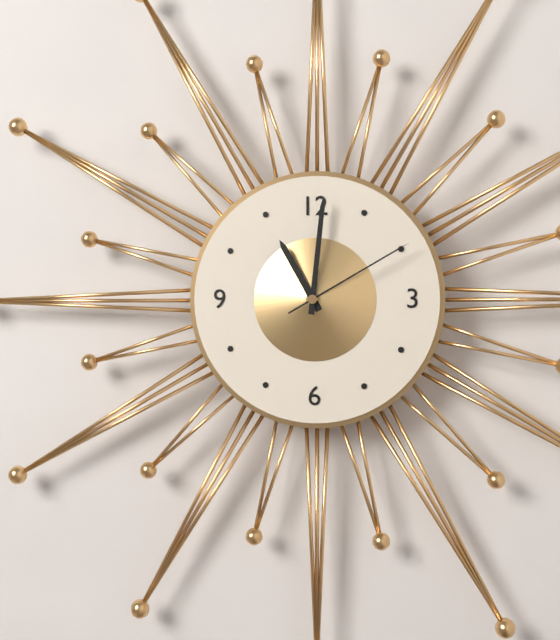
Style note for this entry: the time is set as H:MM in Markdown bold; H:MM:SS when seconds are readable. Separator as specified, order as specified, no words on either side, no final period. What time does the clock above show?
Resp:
**11:01:10**
